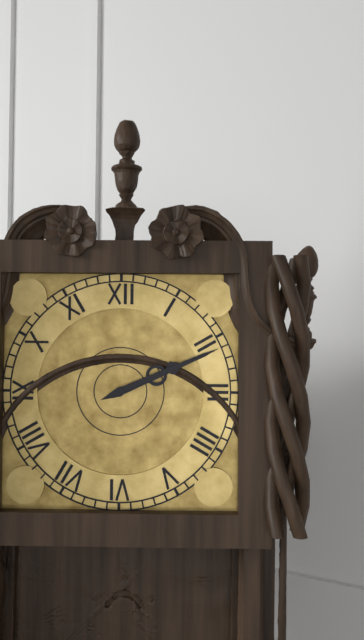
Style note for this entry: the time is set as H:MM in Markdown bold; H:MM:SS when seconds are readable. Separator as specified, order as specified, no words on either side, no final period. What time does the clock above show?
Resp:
**2:11**
